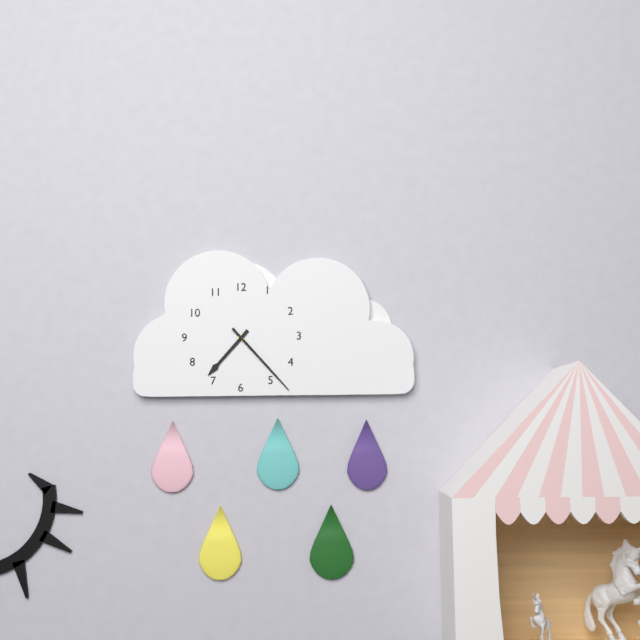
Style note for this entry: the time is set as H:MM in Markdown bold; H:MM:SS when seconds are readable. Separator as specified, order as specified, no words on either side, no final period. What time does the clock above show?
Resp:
**7:23**
